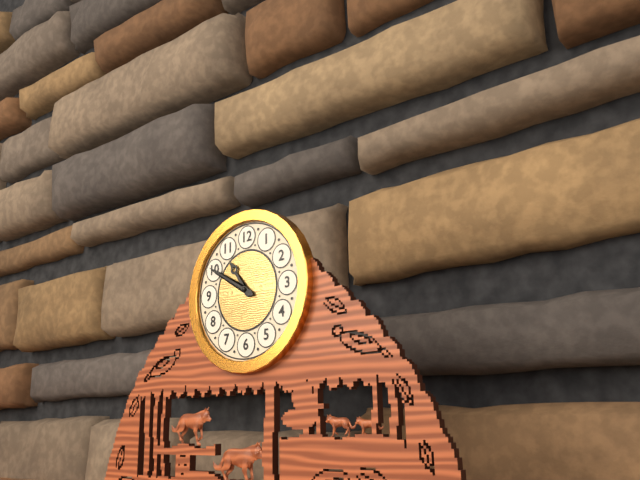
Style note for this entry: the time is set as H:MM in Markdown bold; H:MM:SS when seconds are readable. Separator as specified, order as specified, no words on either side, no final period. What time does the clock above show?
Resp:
**10:50**
